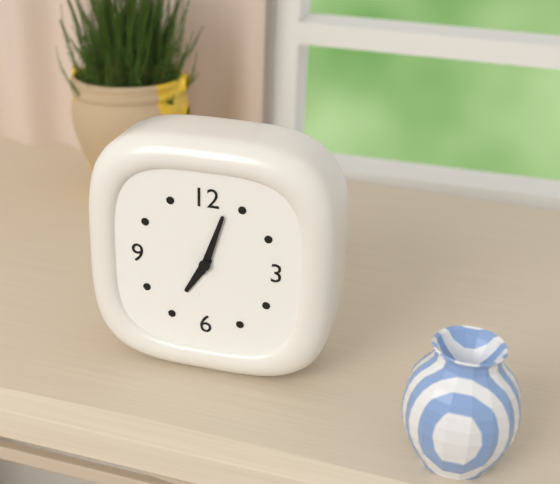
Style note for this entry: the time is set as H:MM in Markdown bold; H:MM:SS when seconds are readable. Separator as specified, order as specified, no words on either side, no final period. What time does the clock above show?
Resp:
**7:03**
